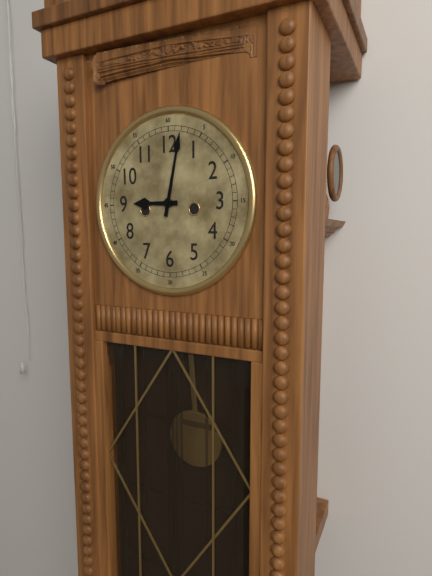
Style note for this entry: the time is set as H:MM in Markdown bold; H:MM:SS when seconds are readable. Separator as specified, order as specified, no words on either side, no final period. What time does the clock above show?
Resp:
**9:02**
